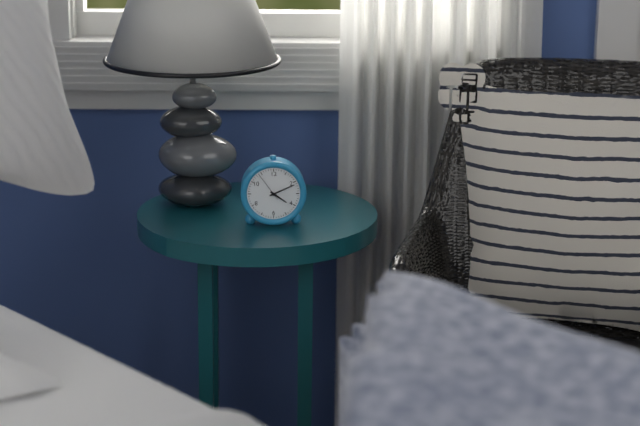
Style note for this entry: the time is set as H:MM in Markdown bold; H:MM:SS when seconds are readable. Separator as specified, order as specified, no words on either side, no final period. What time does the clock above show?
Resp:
**4:11**
